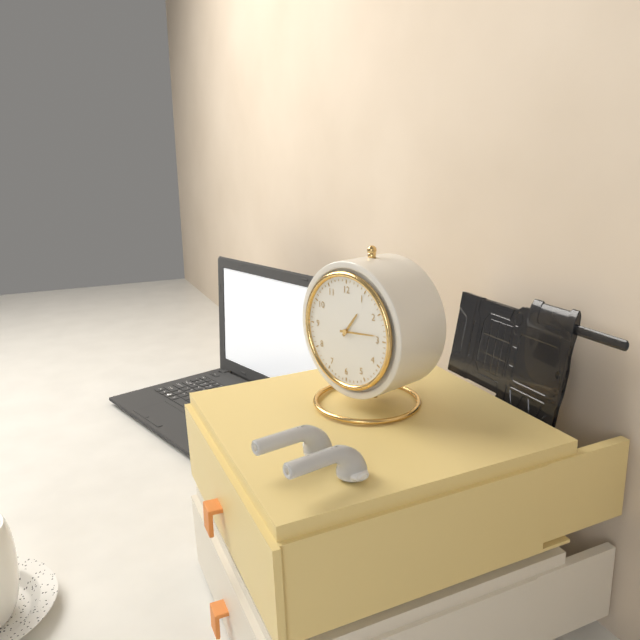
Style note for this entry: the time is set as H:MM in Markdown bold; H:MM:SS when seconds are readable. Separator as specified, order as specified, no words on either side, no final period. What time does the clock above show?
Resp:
**1:14**
